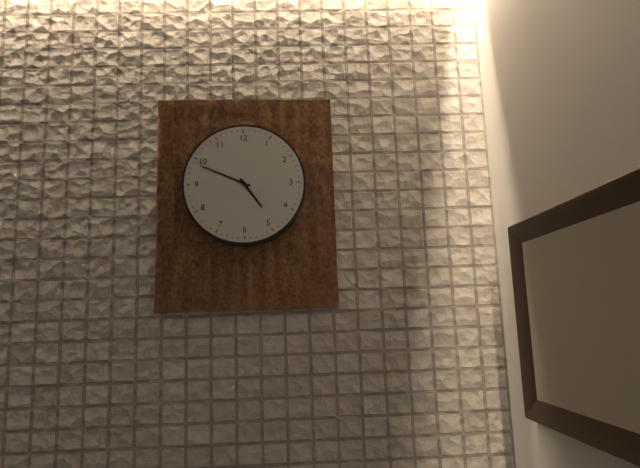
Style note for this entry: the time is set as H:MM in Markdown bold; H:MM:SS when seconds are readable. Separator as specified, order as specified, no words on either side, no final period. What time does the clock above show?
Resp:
**4:49**
